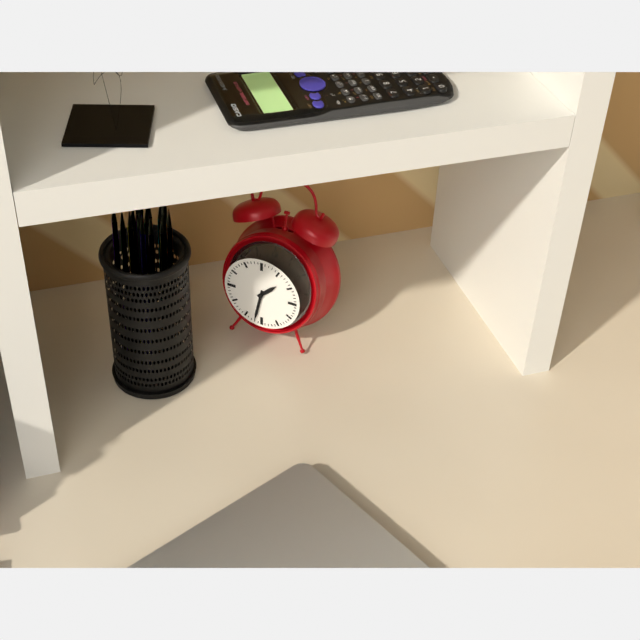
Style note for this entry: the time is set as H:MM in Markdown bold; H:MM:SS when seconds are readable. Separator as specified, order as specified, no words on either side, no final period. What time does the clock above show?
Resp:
**1:32**
